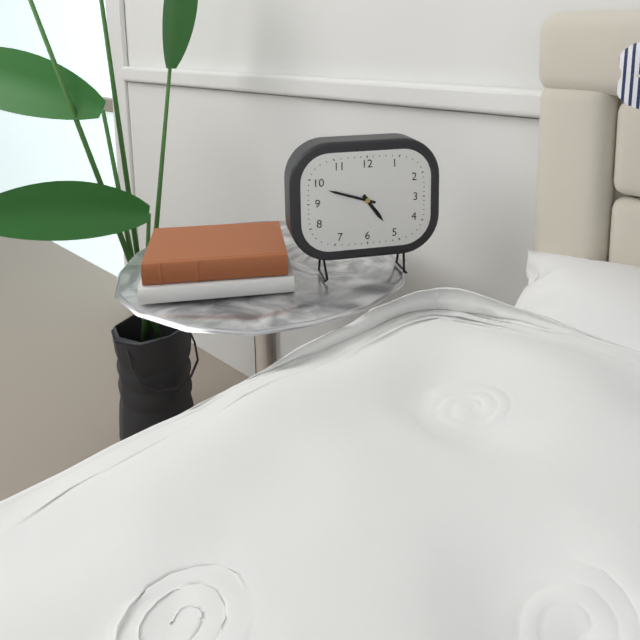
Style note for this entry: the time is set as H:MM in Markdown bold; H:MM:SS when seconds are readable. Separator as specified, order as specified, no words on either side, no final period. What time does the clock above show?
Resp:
**4:48**
